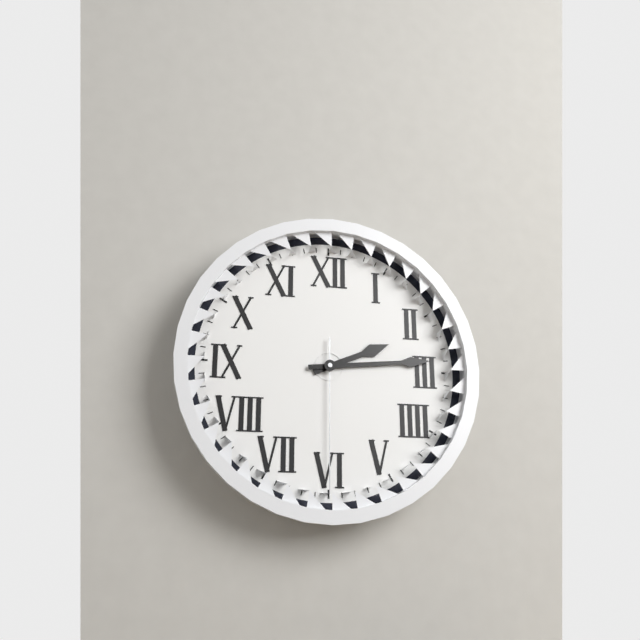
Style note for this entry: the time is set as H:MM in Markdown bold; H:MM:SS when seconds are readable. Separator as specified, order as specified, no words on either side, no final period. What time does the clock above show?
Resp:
**2:14:30**
